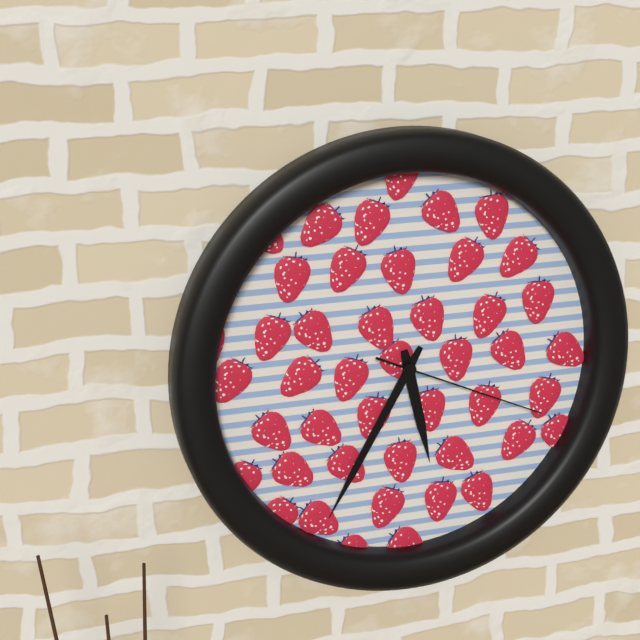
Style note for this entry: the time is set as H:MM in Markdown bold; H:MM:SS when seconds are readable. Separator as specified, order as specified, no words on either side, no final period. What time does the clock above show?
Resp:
**5:35:19**
